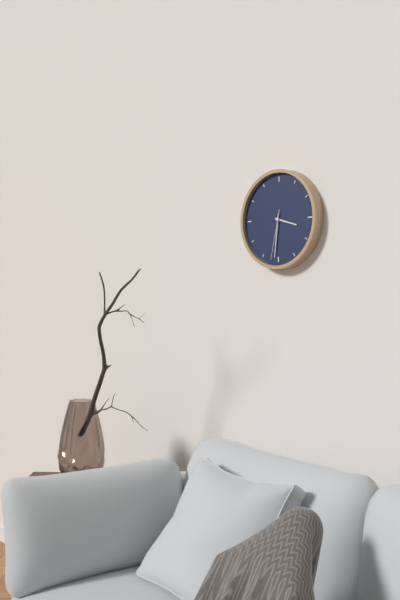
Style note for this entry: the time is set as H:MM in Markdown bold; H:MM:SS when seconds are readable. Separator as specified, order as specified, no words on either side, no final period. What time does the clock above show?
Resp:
**3:31:32**
